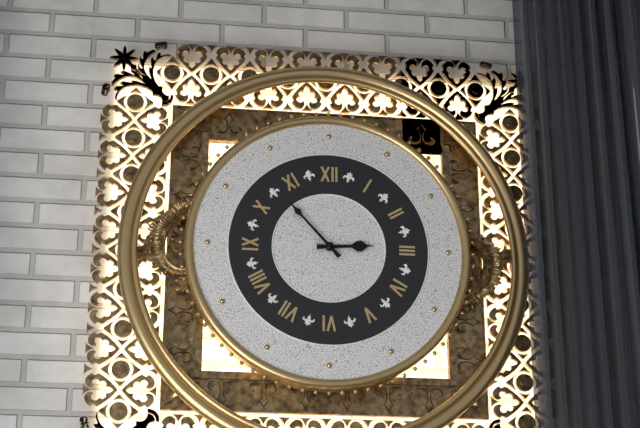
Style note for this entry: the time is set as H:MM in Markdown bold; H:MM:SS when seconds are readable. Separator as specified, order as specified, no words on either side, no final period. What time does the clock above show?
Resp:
**2:53**
